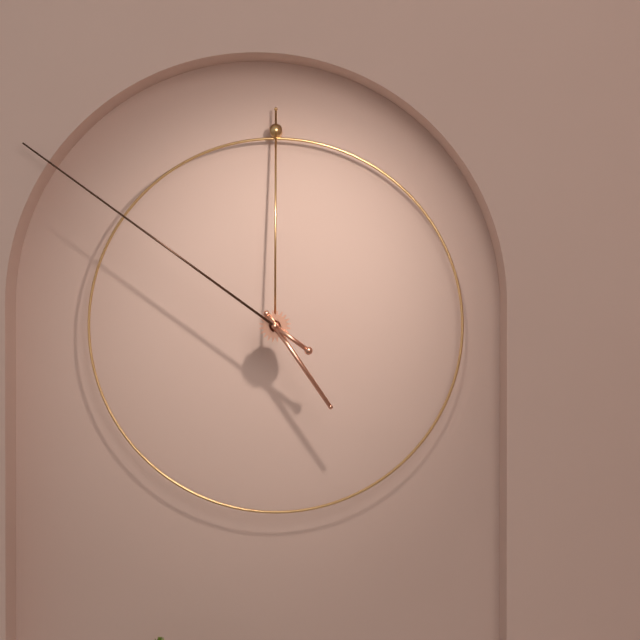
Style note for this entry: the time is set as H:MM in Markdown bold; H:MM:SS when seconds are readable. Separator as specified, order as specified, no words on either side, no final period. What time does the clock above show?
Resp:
**4:51**
